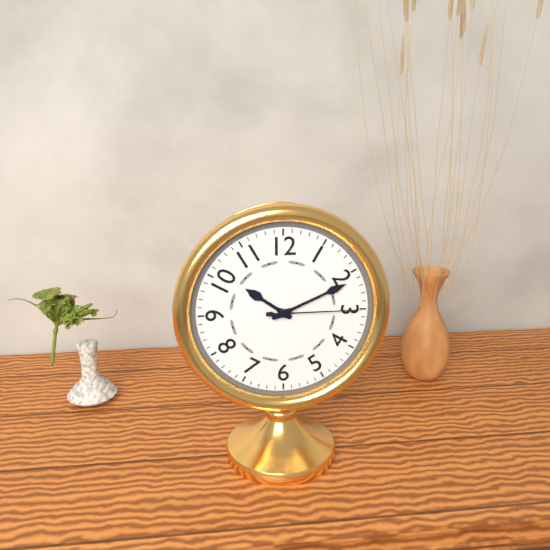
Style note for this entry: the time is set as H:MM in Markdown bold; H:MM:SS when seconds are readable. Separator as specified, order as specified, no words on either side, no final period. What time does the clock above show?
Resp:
**10:11:15**
